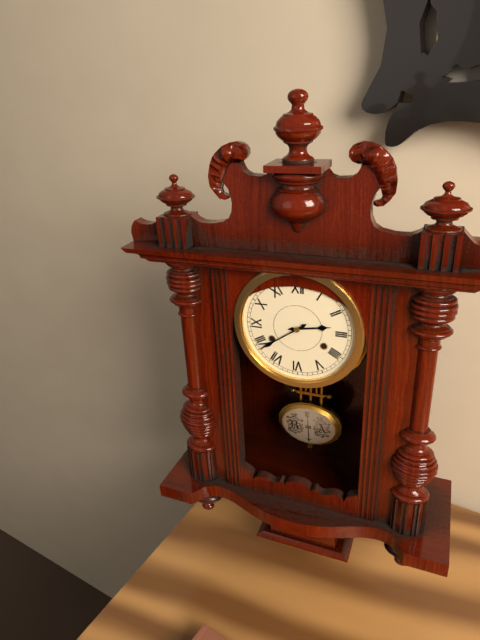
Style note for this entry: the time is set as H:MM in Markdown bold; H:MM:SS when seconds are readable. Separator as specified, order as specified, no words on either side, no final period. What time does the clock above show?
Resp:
**2:39**
